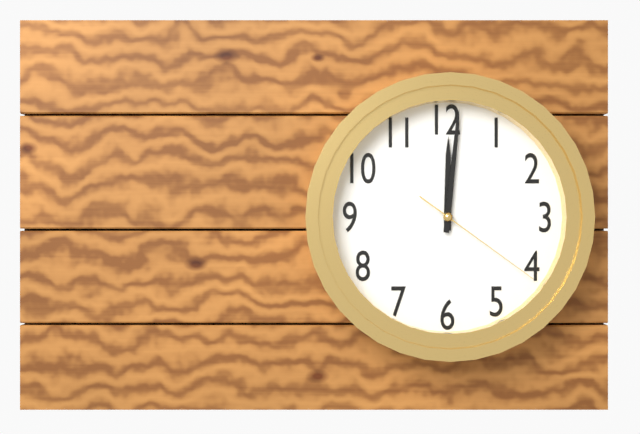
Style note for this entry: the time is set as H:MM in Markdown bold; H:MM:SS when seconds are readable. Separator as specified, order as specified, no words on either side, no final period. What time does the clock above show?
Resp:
**12:01:21**
